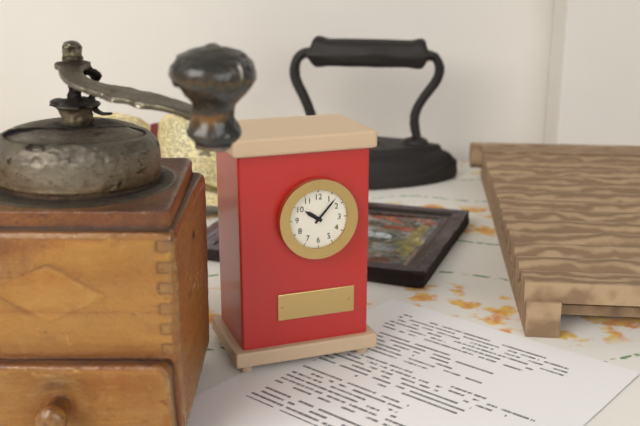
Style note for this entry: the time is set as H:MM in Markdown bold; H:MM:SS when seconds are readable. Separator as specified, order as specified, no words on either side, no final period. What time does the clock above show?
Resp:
**10:07**
